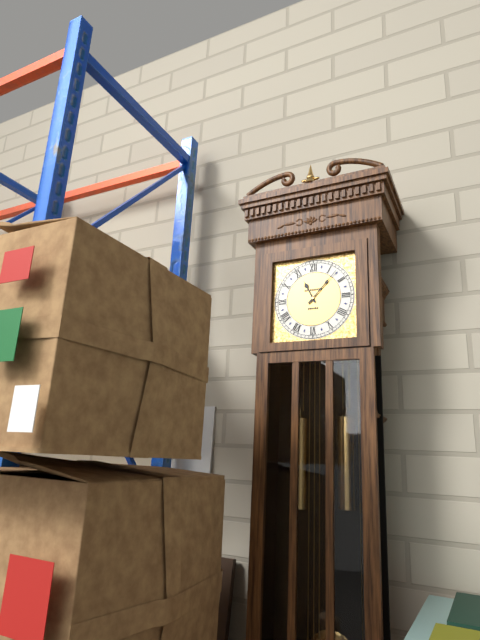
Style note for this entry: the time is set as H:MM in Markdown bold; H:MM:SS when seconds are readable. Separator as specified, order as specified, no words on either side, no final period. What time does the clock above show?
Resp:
**11:07**
